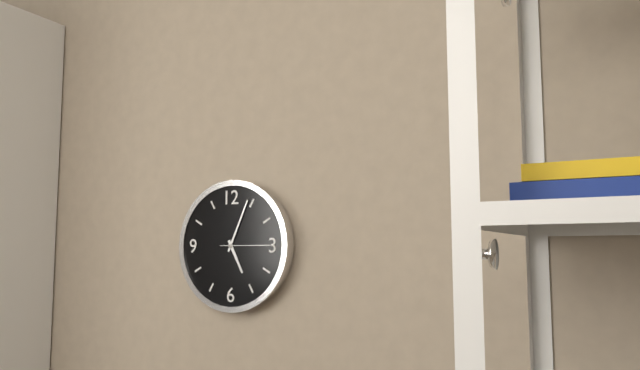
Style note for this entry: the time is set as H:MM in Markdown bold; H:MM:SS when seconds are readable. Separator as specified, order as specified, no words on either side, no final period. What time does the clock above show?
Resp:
**5:04:15**
